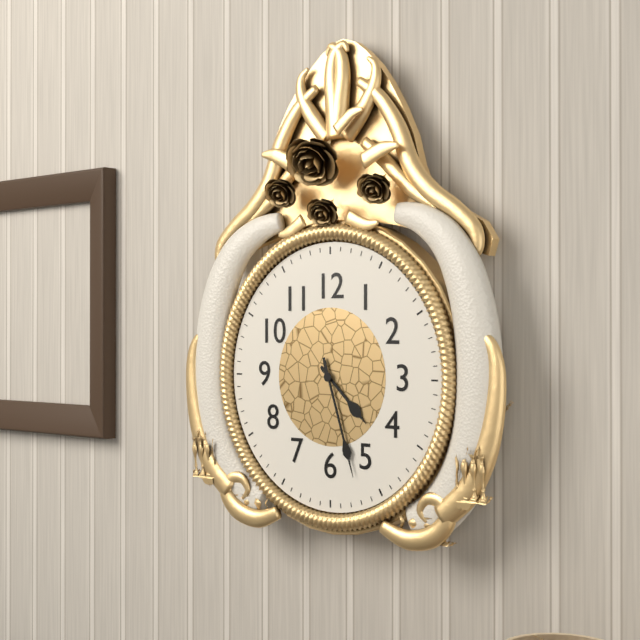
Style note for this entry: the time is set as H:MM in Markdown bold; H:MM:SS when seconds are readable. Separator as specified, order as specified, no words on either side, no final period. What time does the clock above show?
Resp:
**4:27**
